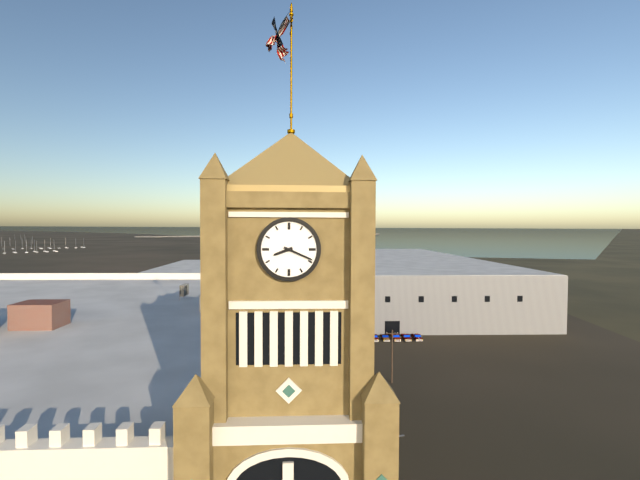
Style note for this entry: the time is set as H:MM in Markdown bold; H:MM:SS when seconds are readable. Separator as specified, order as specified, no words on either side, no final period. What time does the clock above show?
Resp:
**8:19**
